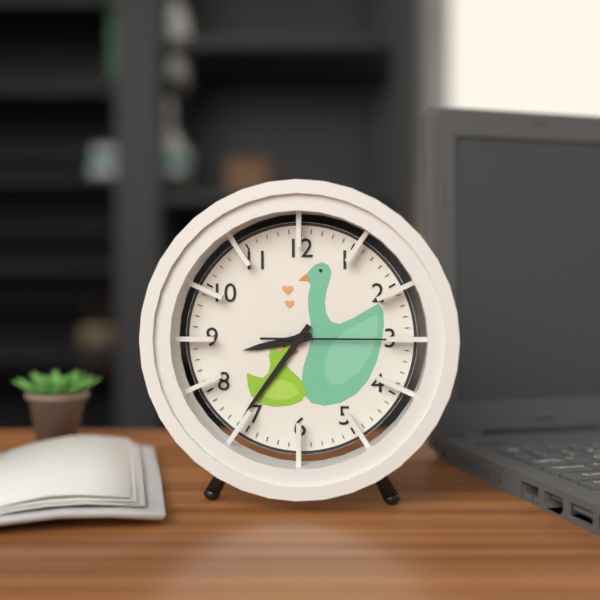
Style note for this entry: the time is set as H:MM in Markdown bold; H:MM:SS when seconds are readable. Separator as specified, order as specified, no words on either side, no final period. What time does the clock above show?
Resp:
**8:36:15**
